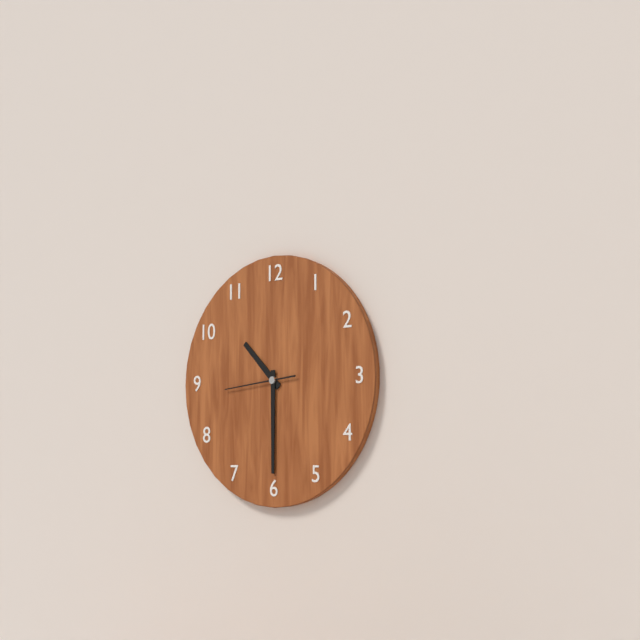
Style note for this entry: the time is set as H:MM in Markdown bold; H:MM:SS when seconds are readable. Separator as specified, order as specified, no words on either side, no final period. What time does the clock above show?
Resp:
**10:30:44**
